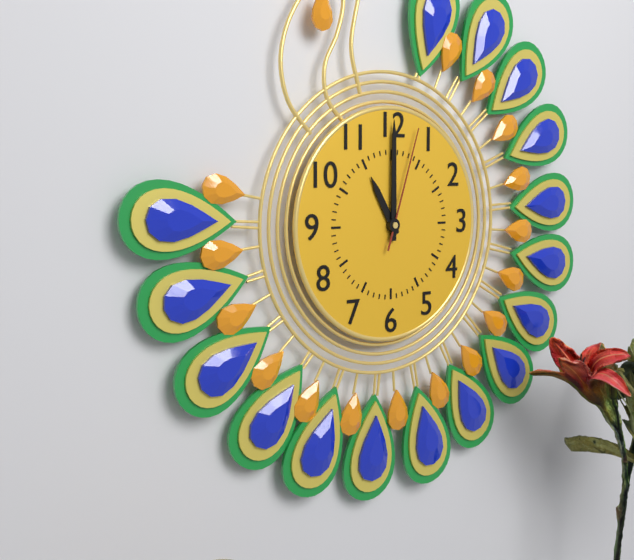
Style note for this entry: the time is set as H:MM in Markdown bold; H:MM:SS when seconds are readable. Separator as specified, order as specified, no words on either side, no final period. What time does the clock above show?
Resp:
**11:00:03**
